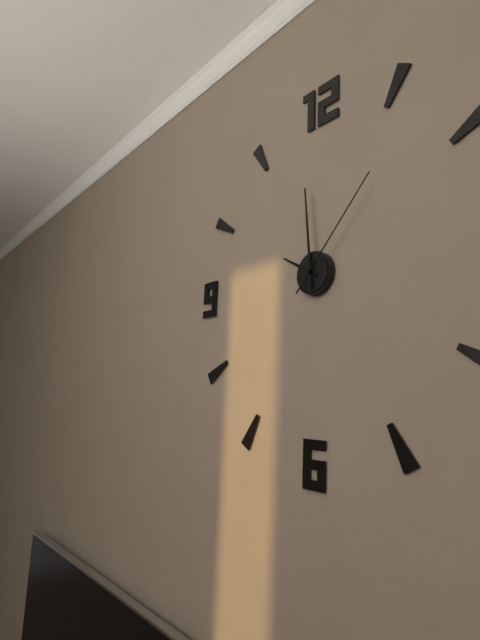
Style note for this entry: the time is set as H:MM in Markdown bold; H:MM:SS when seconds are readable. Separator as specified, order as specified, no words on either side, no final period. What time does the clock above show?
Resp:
**9:59:07**
